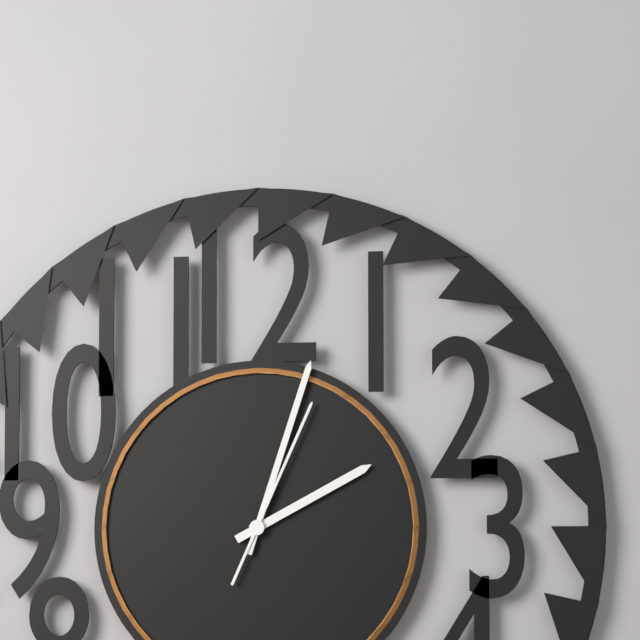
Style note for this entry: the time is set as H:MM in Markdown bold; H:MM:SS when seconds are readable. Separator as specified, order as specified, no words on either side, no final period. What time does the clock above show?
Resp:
**2:03:04**
